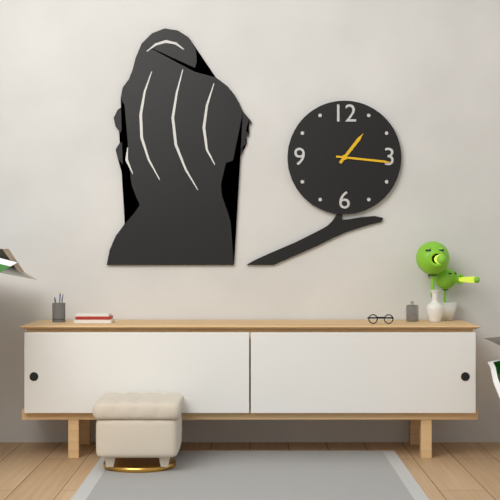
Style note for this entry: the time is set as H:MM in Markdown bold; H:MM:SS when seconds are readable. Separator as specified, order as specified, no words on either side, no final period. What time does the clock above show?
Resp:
**1:16**
